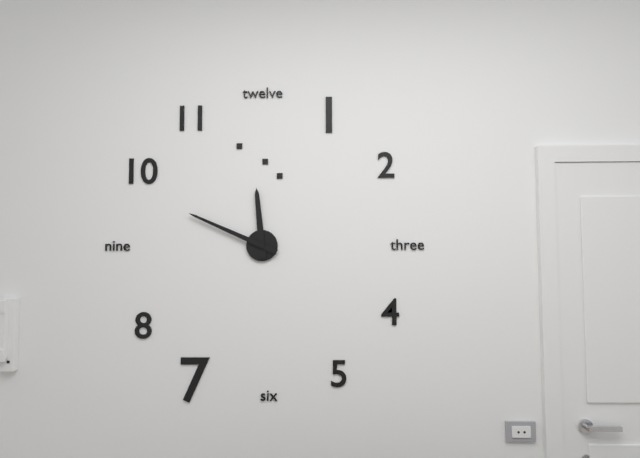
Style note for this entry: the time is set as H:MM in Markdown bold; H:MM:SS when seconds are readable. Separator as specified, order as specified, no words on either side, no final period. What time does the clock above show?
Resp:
**11:49**
